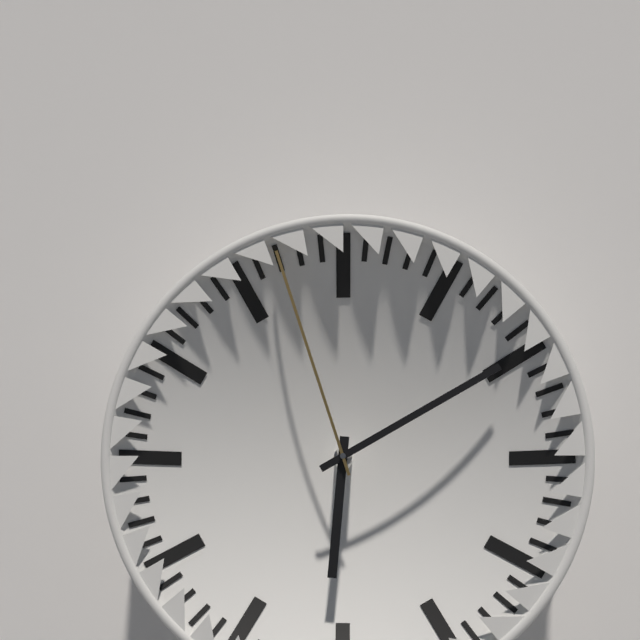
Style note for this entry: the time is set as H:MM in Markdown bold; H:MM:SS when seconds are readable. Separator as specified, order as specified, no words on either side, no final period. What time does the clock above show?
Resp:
**6:10:57**
